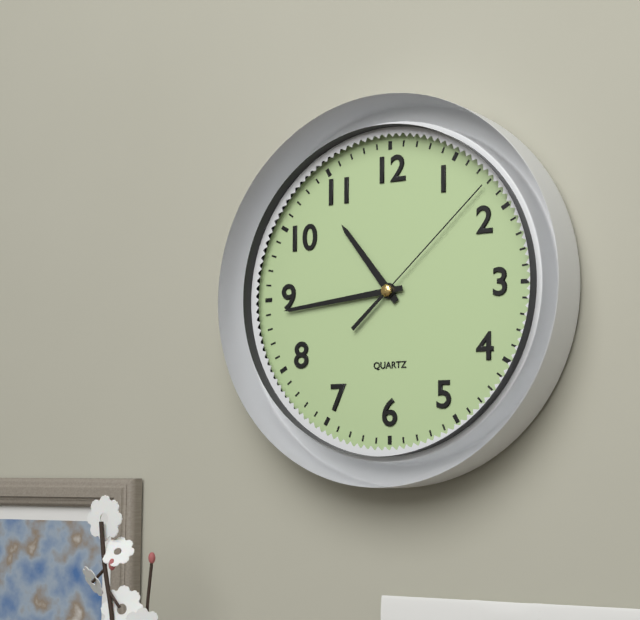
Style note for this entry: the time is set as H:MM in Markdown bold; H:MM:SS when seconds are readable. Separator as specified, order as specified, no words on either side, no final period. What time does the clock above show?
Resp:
**10:44:08**
